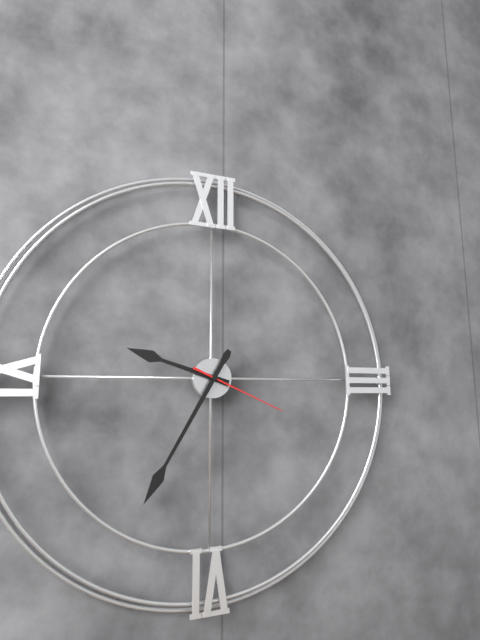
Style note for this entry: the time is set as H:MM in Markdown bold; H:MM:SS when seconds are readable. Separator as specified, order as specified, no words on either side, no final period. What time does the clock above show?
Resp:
**9:35:19**
